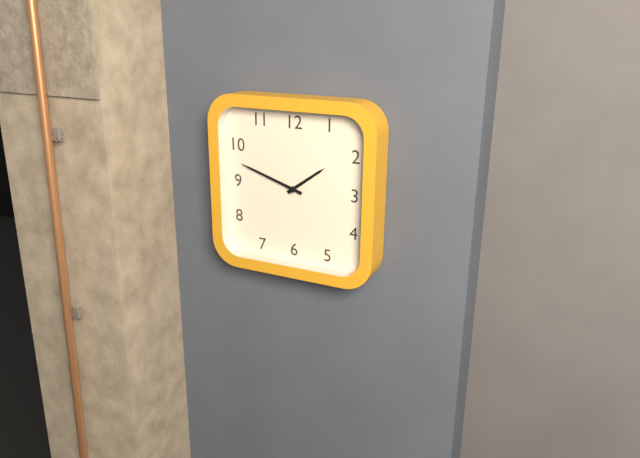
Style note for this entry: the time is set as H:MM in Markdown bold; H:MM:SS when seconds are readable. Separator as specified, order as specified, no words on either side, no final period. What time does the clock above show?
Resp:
**1:48**
